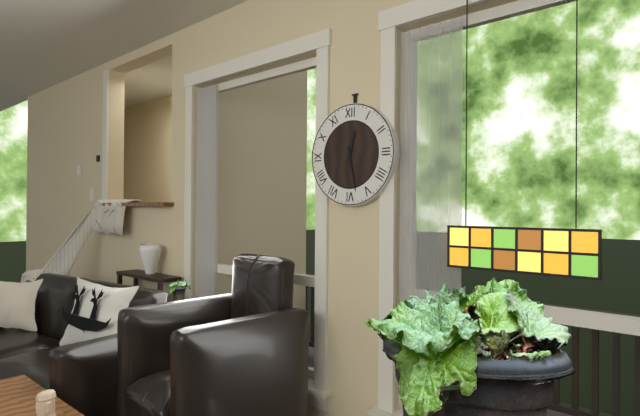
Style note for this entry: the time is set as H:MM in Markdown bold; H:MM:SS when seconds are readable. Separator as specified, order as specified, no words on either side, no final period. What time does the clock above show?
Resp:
**12:28**
